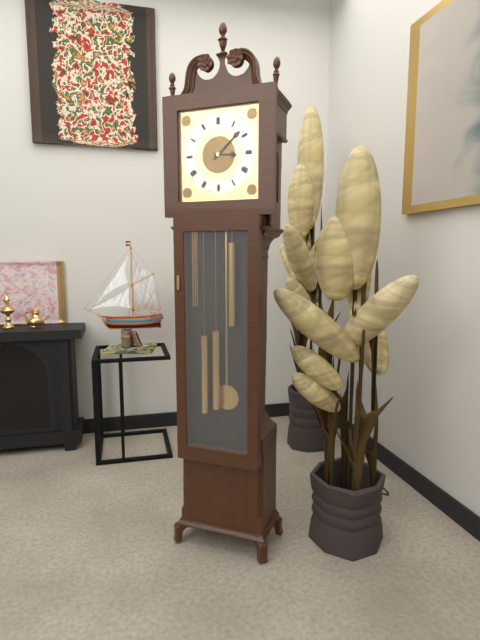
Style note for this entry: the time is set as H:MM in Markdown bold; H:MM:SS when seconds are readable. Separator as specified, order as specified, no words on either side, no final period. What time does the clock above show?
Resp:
**3:08**
